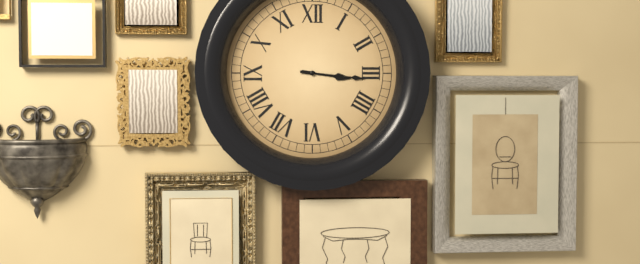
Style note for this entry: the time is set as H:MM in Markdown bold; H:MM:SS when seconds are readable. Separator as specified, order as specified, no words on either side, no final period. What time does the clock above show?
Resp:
**3:16**
